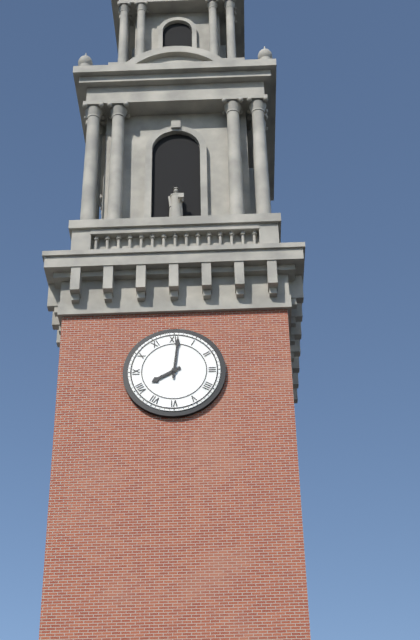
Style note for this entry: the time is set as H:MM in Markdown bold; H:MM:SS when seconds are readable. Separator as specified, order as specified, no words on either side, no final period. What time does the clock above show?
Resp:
**8:01**
